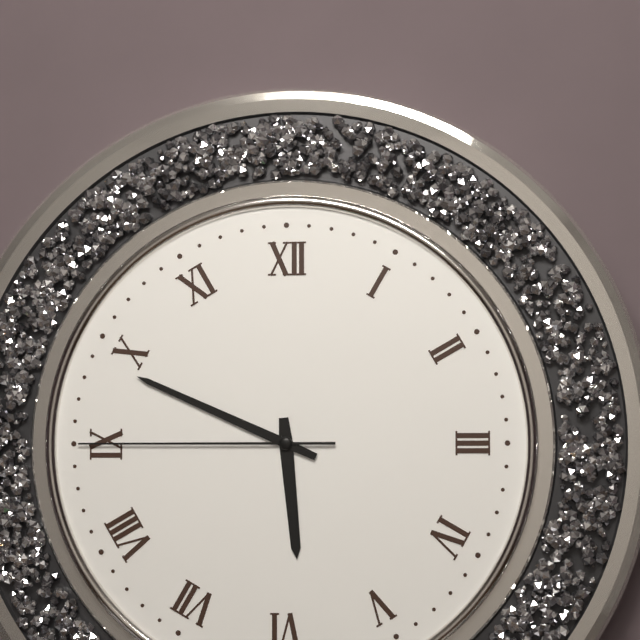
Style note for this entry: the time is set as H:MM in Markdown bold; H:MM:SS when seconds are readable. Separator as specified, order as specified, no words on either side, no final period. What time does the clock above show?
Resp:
**5:49:45**
